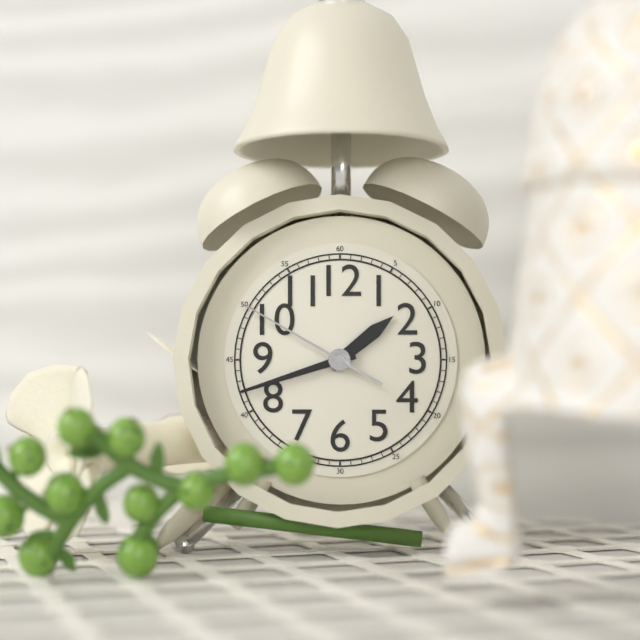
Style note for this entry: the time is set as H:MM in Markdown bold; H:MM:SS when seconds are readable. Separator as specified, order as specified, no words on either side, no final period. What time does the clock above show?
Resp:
**1:42:50**
